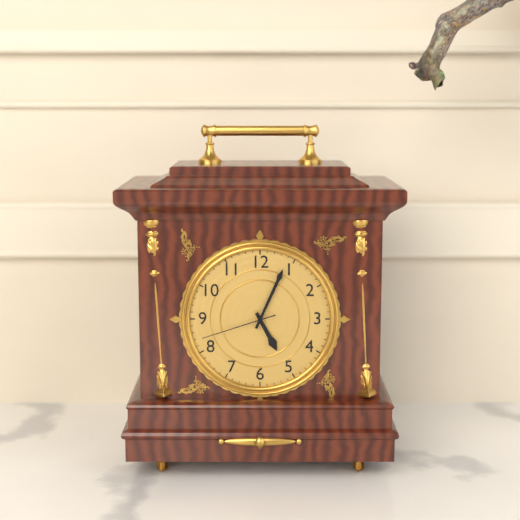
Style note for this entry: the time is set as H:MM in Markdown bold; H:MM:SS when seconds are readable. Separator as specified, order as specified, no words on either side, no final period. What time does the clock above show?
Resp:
**5:04:42**
